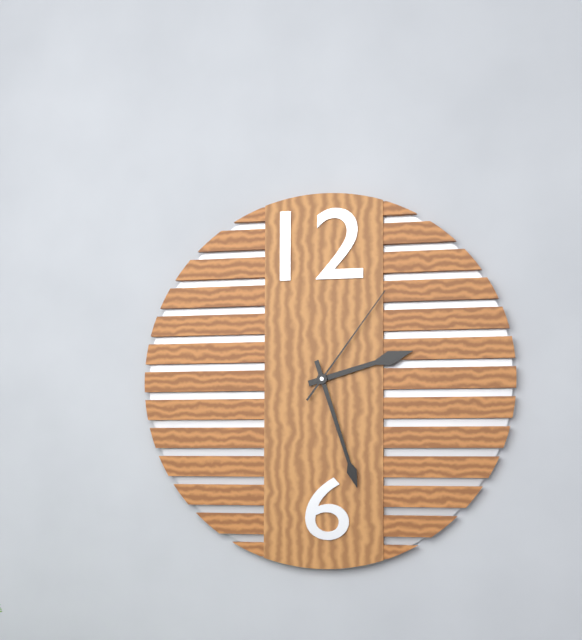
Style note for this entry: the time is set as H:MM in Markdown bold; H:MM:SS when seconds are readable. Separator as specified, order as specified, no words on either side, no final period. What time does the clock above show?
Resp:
**2:27:06**
